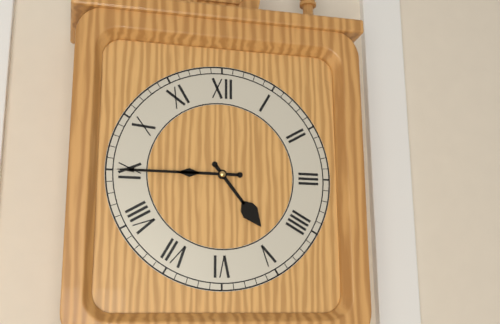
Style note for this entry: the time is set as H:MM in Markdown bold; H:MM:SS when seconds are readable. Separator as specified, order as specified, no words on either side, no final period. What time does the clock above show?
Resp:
**4:45**
